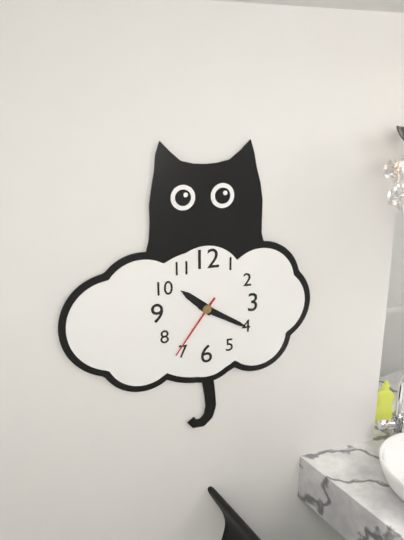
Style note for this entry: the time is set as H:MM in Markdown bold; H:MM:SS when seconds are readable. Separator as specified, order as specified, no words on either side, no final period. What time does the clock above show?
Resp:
**10:20:36**
